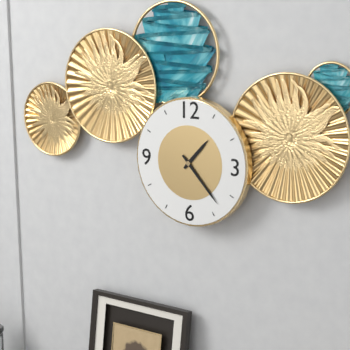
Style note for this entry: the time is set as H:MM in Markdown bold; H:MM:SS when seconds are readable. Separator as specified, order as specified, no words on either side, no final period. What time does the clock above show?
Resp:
**1:23**
